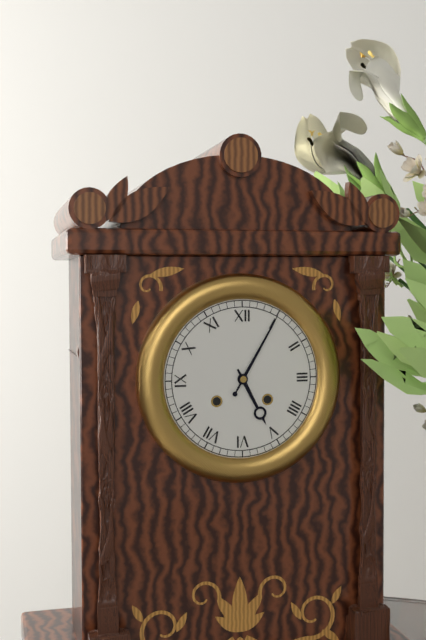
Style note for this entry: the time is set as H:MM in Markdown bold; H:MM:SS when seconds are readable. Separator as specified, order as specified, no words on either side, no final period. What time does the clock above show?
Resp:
**5:05**
